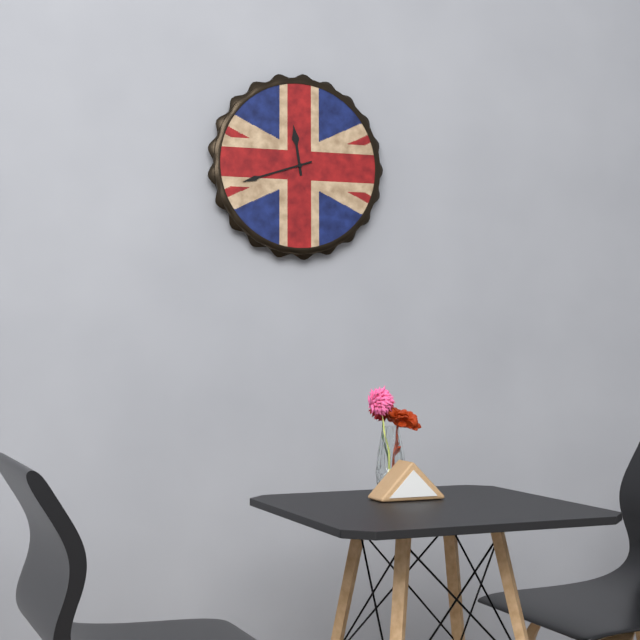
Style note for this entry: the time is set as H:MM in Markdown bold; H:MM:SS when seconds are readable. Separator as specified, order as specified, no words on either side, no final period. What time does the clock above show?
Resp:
**11:42**
